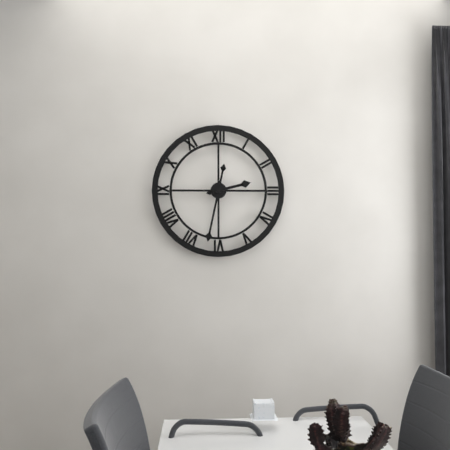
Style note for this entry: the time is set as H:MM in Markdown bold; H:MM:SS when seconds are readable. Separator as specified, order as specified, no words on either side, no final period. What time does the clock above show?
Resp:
**2:32**
